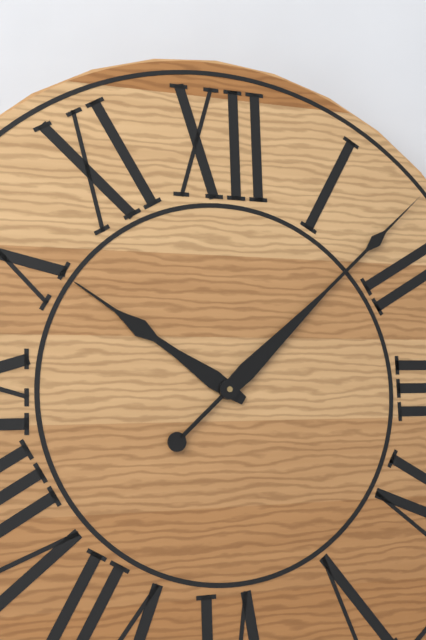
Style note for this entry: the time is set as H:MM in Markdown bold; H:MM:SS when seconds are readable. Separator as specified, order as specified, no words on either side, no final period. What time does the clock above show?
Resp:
**10:08**
